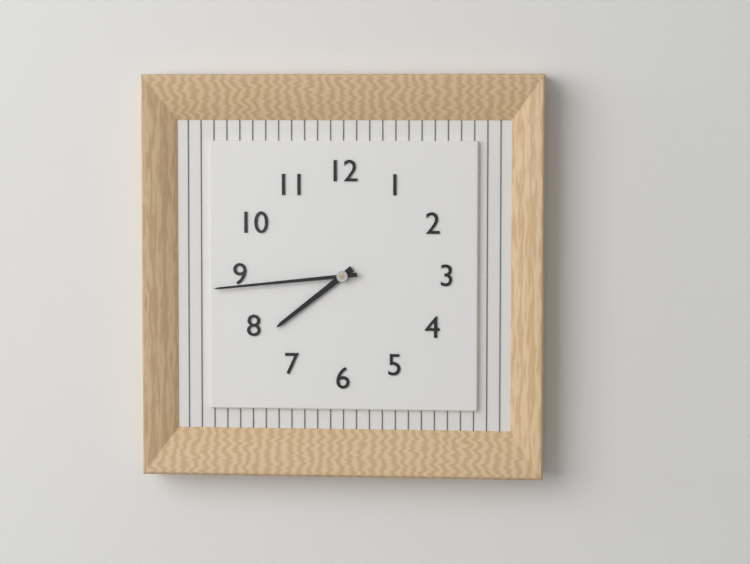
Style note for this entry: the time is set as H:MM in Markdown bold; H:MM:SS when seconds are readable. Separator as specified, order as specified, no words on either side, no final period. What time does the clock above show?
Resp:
**7:44**
